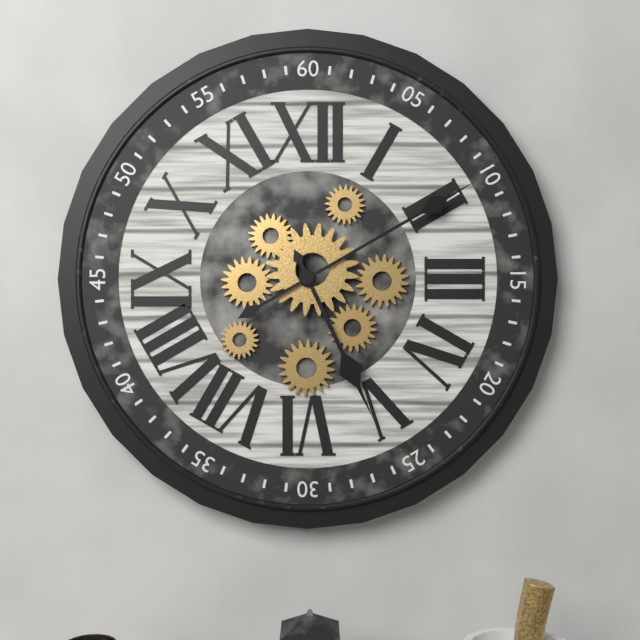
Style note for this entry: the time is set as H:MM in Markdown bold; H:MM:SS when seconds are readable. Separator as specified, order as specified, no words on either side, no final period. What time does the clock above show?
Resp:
**5:10**
